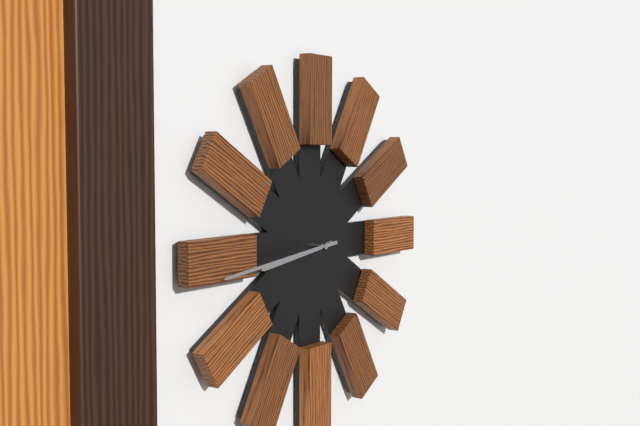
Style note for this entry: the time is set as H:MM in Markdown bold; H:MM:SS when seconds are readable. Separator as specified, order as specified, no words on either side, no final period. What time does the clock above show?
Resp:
**8:44**
